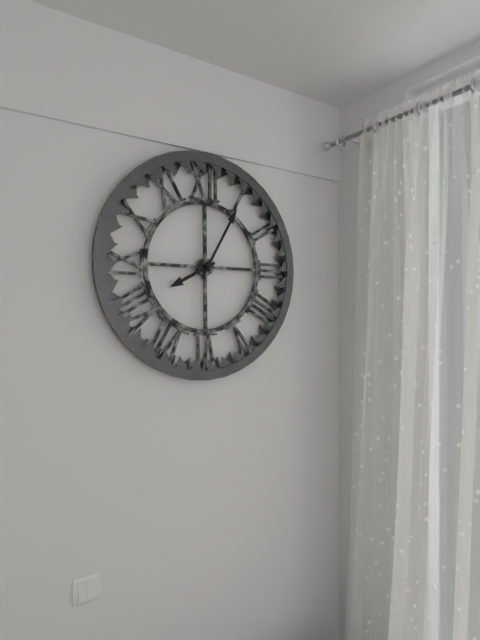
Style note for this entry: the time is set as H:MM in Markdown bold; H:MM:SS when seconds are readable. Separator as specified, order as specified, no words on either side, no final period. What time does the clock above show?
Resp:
**8:05**
